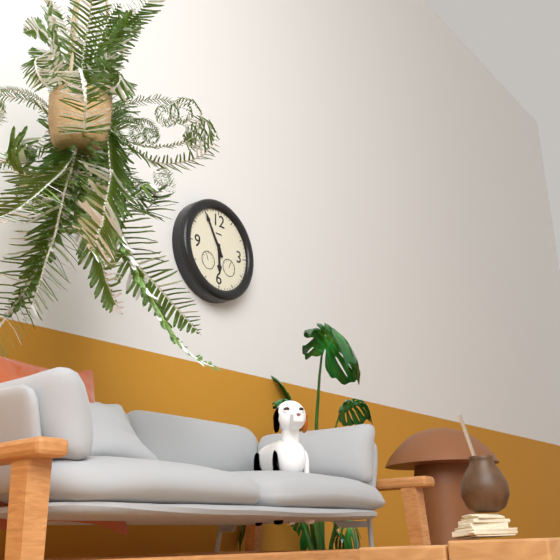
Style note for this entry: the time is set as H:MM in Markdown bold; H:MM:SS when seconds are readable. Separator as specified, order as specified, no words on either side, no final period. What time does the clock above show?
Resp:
**5:55**
